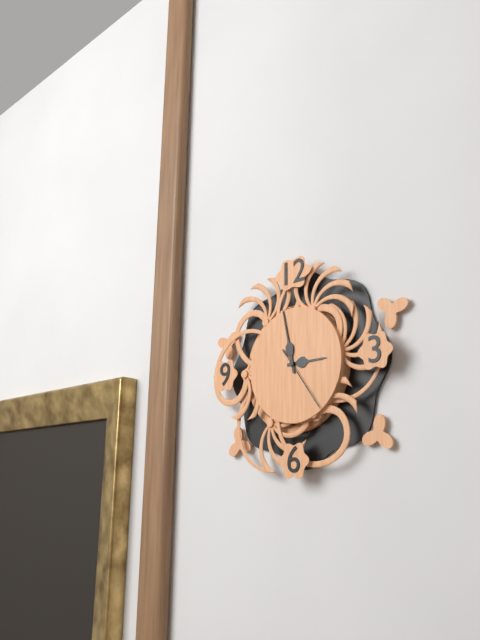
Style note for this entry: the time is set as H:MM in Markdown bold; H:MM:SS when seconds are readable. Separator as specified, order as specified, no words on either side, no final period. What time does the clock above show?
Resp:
**2:58:24**
